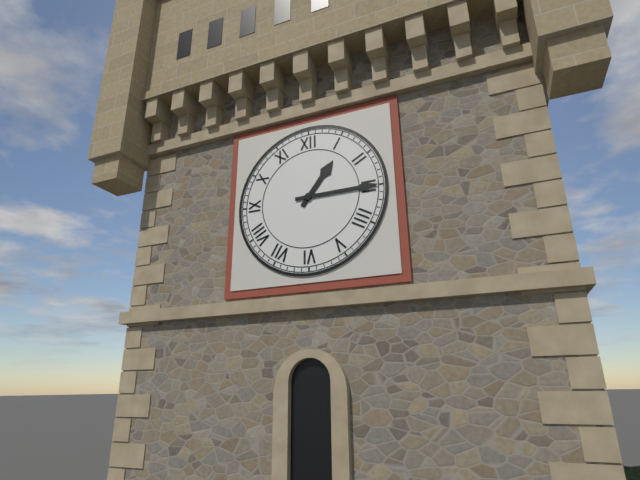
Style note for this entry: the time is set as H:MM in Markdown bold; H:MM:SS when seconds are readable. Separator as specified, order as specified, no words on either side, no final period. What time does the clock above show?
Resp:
**1:15**
